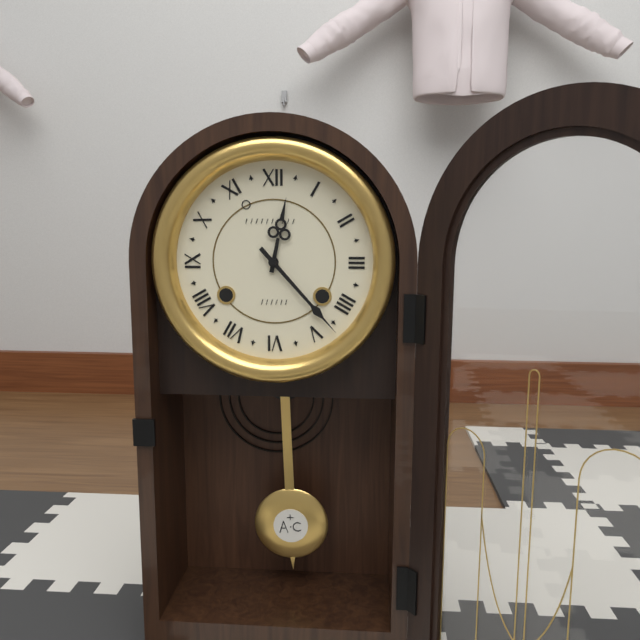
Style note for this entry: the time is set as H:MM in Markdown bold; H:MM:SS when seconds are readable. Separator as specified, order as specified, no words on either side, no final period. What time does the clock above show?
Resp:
**12:23**
